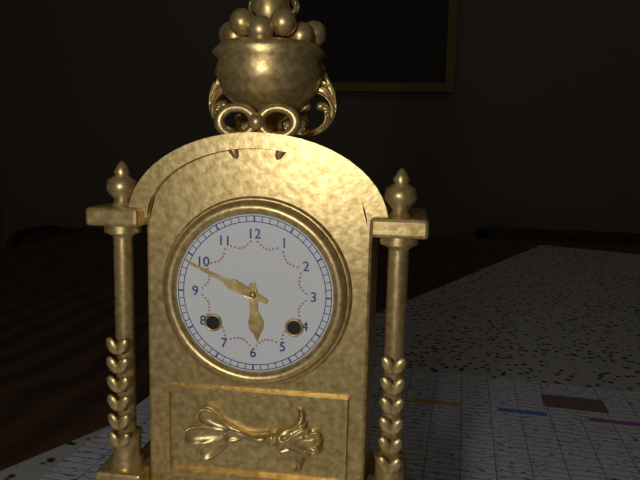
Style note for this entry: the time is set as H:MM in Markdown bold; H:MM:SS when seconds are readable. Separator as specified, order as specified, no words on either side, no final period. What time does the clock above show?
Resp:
**5:49**
